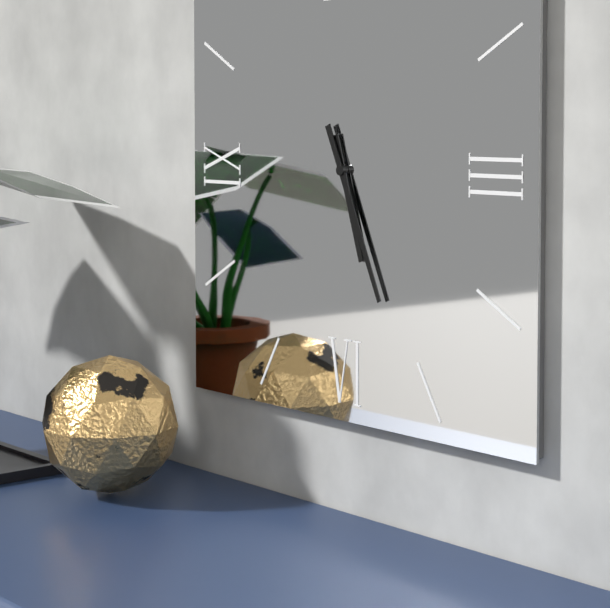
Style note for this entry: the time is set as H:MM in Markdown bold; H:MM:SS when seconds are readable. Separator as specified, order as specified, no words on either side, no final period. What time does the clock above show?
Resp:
**5:26**
